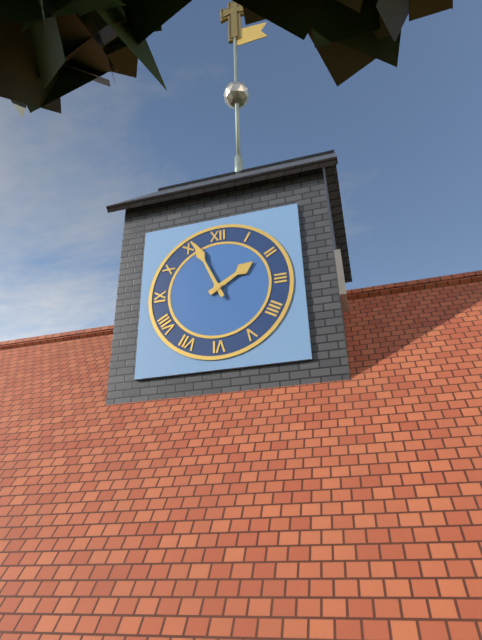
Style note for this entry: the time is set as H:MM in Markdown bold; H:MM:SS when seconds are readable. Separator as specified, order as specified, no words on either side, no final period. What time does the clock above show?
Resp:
**1:56**
